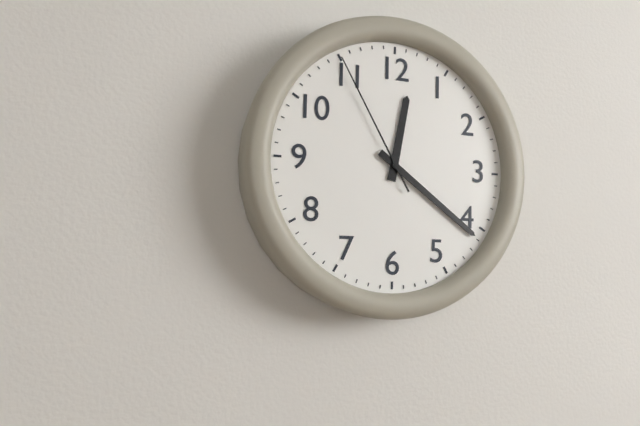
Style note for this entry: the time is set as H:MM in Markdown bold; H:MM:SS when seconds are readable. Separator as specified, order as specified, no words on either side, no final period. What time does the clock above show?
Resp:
**12:21:55**
